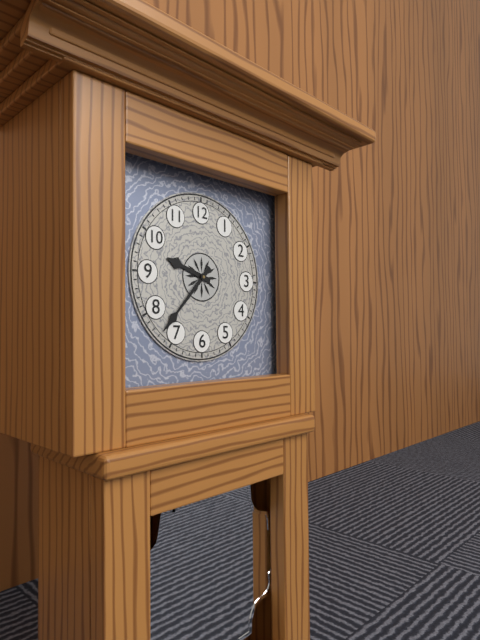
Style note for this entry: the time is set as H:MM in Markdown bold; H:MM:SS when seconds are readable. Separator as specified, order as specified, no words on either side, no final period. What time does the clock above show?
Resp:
**9:37**
